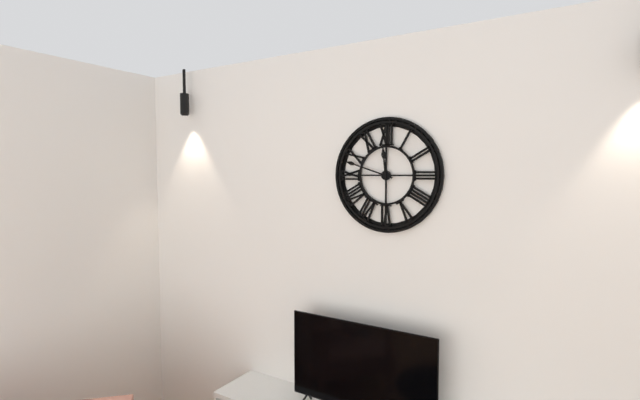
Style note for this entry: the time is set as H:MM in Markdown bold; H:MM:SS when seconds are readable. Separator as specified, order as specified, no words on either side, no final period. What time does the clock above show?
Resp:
**11:48**
